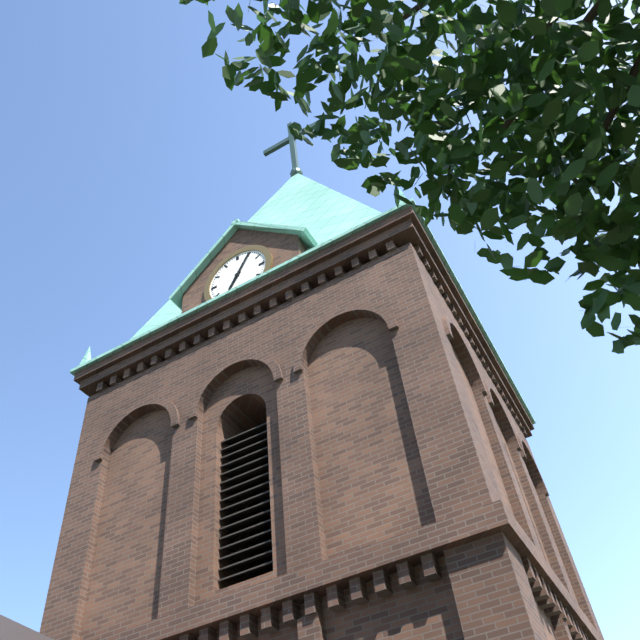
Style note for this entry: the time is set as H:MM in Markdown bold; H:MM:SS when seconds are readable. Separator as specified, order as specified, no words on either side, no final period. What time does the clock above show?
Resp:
**7:05**
